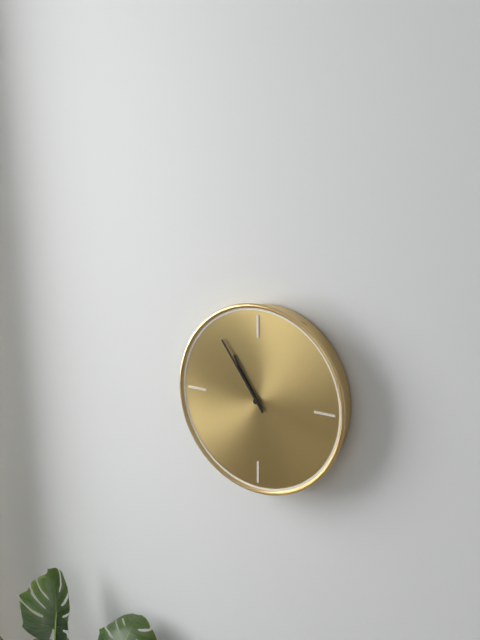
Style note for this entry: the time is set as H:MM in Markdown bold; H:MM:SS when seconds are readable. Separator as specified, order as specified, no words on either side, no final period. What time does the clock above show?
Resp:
**10:54**
